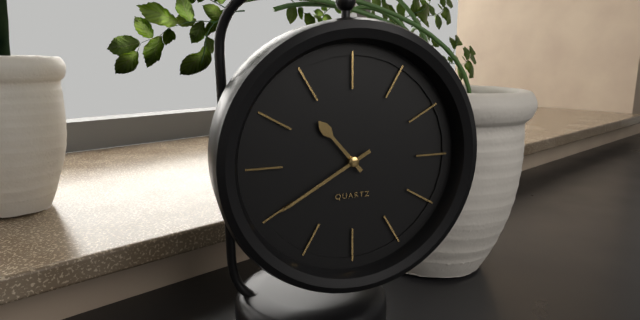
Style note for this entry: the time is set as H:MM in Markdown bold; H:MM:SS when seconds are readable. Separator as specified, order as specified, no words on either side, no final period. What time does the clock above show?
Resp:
**10:40**
